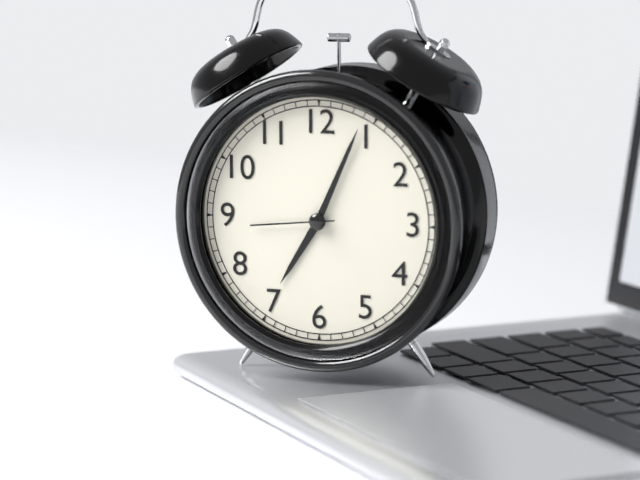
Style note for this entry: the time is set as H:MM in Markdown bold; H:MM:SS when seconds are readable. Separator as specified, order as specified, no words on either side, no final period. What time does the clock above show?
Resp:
**7:04:44**
